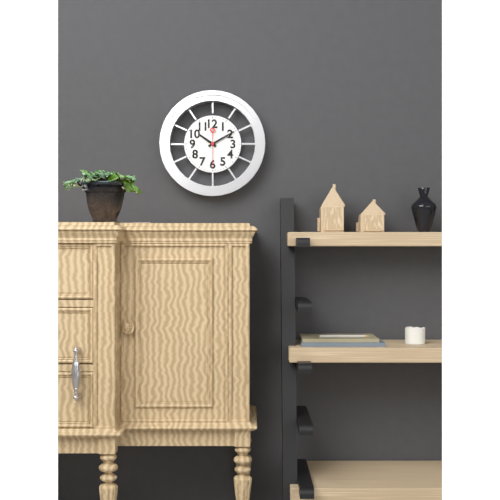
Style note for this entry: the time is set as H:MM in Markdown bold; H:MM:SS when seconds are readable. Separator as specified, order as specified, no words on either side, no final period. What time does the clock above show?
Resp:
**10:10**
